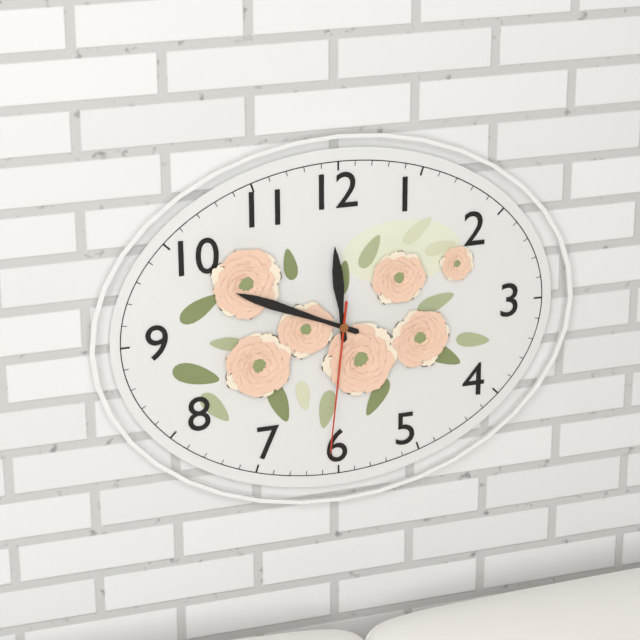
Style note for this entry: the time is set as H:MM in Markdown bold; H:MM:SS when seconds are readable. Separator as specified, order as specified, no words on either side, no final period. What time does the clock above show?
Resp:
**11:49:31**
